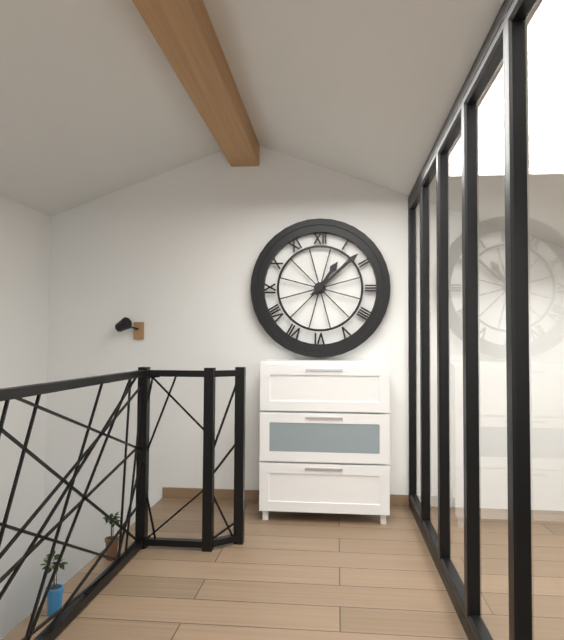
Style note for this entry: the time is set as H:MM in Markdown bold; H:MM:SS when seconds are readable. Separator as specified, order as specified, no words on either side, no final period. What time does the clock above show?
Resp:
**1:08**
